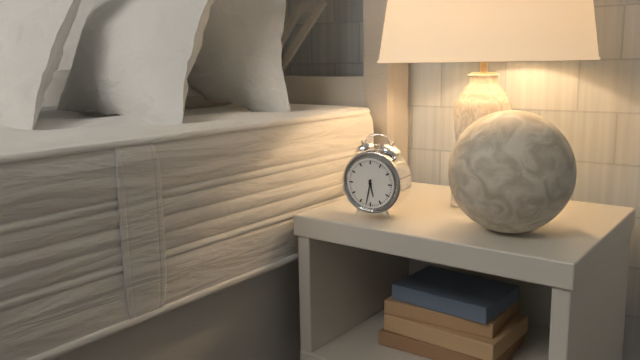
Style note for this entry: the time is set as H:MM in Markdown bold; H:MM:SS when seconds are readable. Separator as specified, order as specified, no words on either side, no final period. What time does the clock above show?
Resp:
**5:32**
